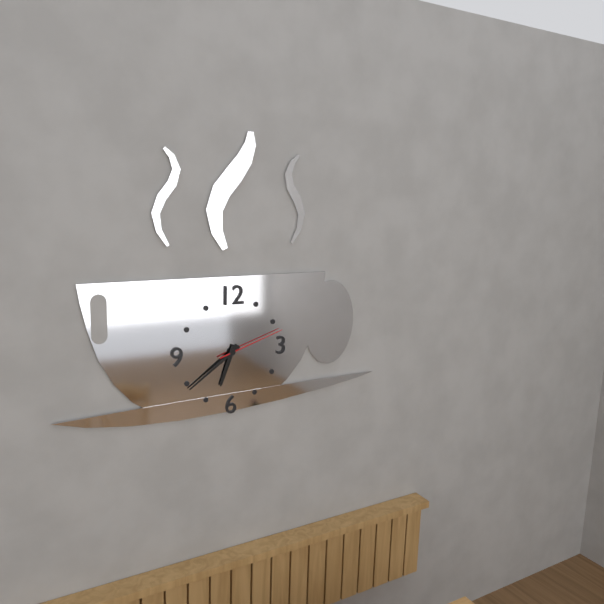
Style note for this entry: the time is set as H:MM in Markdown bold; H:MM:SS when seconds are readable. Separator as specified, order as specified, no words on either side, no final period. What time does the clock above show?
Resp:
**6:39:12**
